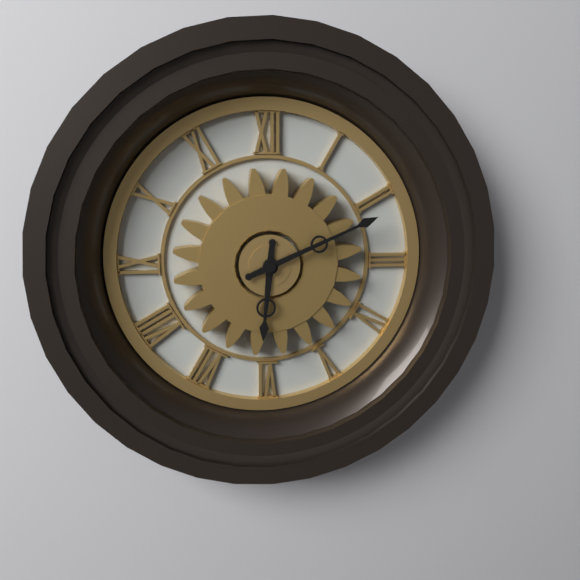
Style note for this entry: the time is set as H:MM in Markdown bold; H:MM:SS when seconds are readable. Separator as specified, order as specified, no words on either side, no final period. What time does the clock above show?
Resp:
**6:11**
